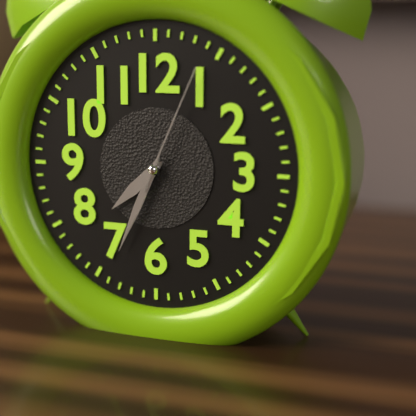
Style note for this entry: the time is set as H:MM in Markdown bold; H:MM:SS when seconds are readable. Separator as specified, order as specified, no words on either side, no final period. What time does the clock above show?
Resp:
**7:34:04**
